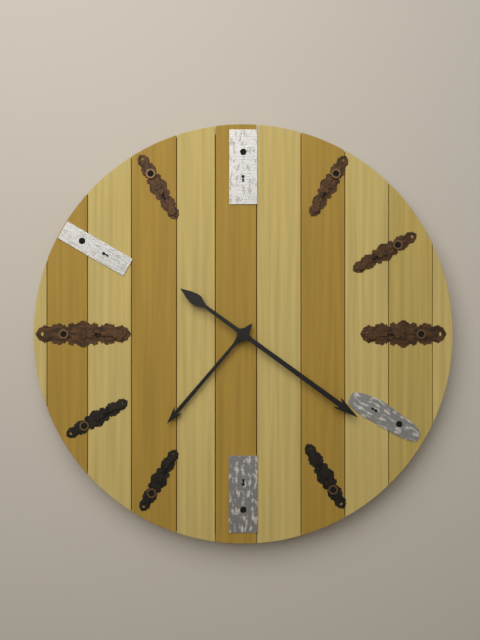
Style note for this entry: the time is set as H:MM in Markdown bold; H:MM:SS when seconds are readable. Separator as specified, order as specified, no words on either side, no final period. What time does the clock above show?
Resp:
**7:21**
